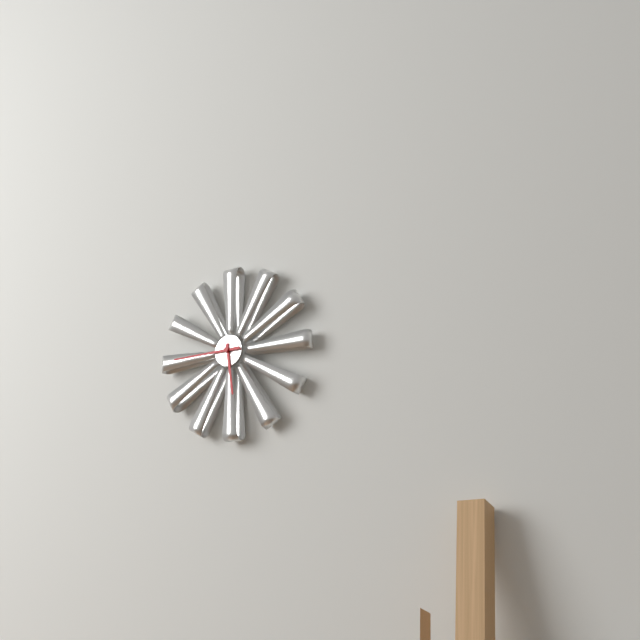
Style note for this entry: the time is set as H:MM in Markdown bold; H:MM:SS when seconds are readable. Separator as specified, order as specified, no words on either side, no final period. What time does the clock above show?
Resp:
**5:45**
